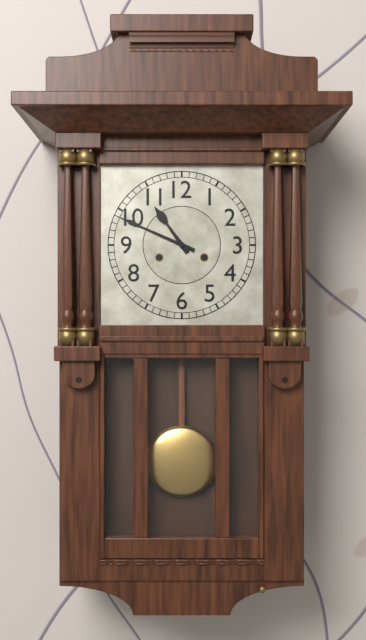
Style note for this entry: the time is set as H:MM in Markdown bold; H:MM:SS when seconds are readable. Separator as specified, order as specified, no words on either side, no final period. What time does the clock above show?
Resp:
**10:49**
